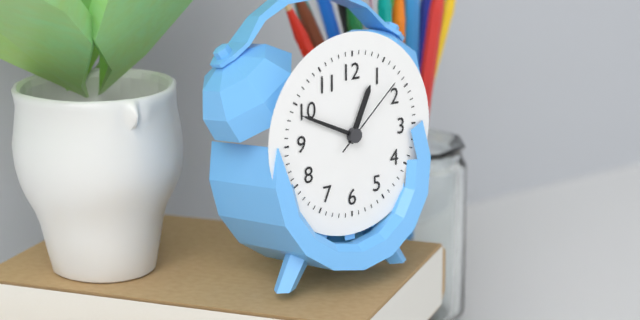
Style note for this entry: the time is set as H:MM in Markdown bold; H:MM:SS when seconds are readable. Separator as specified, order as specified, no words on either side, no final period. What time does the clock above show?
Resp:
**12:49:08**
